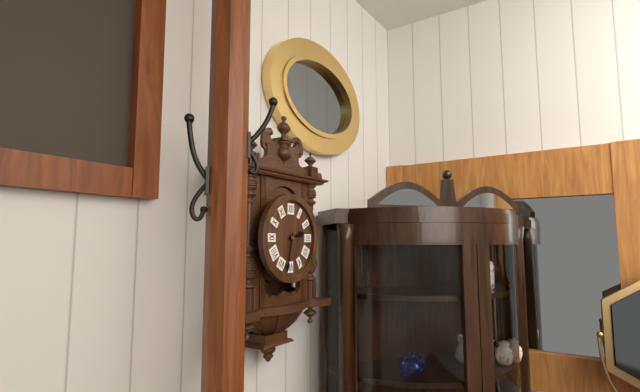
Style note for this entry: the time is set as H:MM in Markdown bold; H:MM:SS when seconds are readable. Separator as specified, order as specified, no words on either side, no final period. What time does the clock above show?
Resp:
**2:32**
